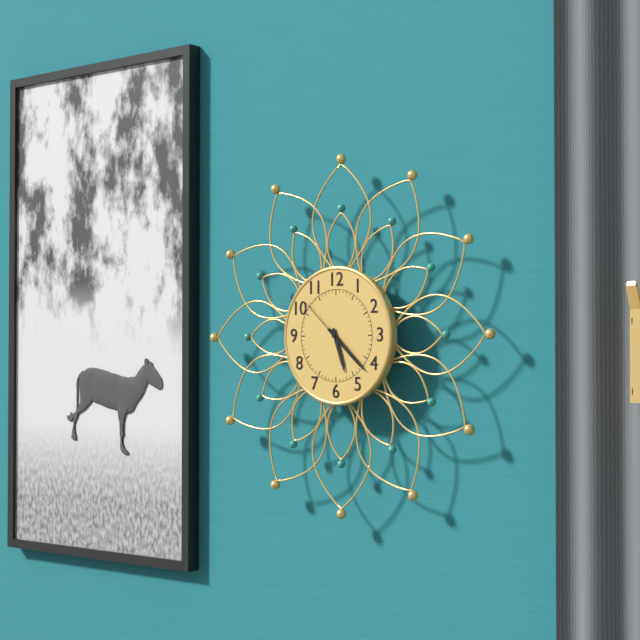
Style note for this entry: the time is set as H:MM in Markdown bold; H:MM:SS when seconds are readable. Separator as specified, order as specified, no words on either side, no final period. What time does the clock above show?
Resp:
**5:22:52**
